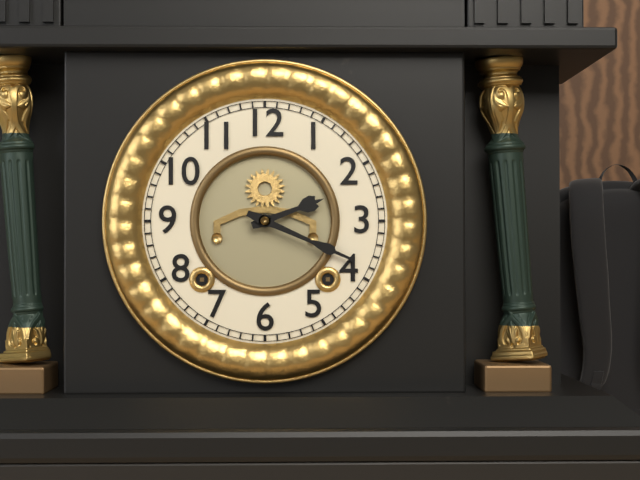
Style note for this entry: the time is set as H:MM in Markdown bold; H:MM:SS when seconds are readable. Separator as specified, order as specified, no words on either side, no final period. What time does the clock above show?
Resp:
**2:19**
